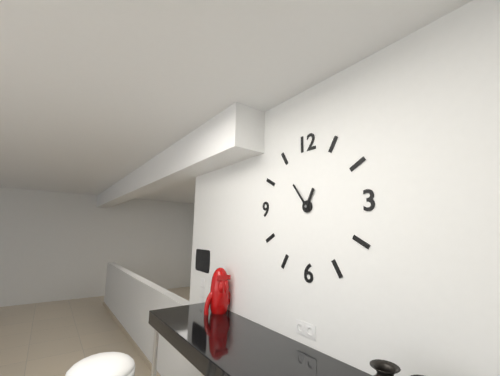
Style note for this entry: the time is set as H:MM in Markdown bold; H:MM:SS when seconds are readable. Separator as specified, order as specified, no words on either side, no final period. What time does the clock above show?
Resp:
**12:54**
